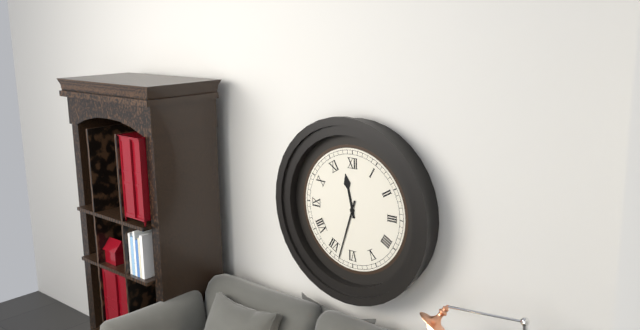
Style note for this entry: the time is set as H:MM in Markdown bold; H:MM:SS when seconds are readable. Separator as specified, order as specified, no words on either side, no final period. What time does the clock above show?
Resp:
**11:33**
